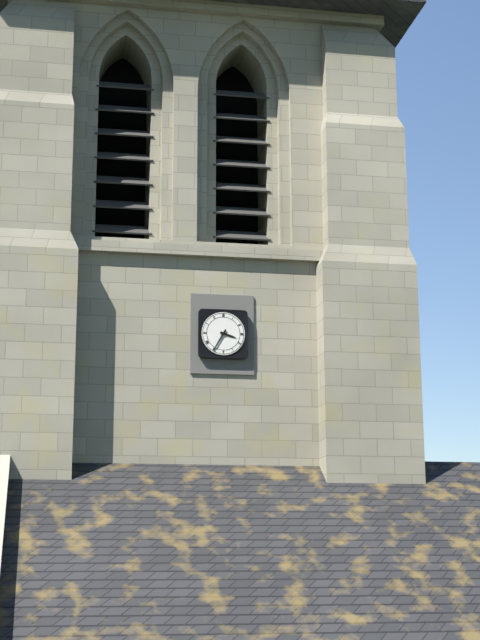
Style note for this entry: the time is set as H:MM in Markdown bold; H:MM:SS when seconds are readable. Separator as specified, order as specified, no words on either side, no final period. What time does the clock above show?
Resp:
**3:35**
